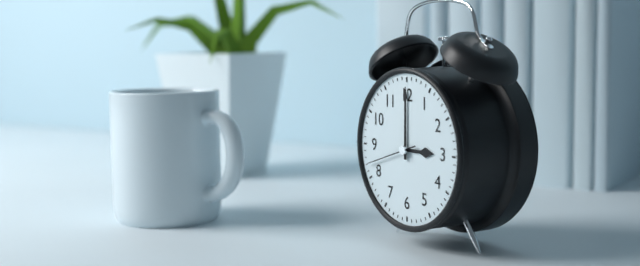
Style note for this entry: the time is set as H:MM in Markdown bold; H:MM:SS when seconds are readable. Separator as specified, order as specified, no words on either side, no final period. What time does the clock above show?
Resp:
**3:00**
